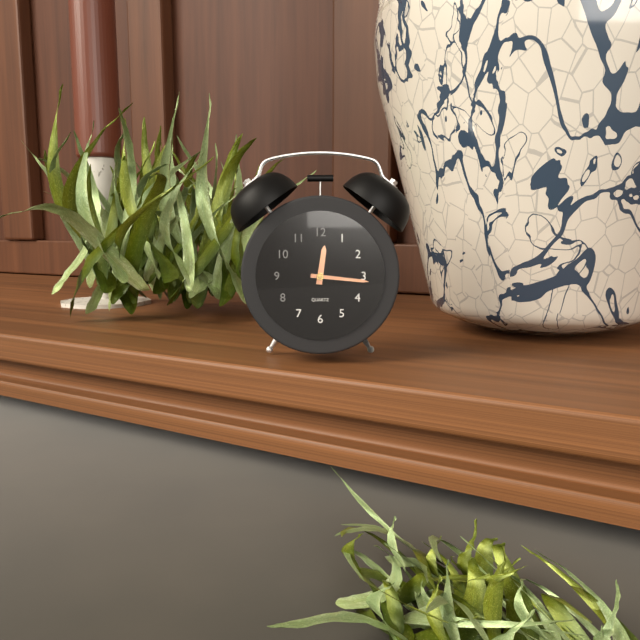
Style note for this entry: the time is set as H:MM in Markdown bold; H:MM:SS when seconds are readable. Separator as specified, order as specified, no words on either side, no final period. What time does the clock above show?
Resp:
**12:16**
